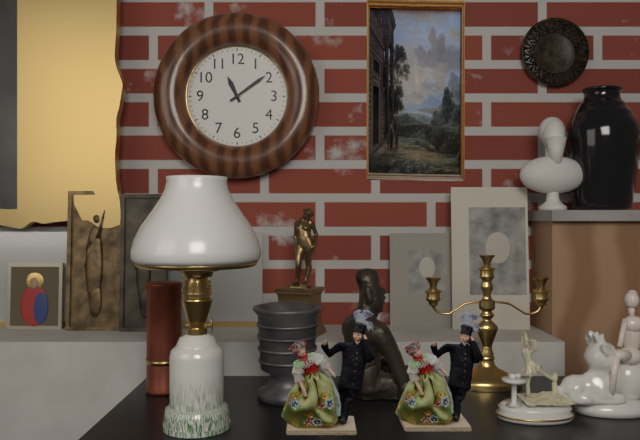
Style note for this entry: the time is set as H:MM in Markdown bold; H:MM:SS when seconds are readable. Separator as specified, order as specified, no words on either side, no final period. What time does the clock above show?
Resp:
**11:09**
